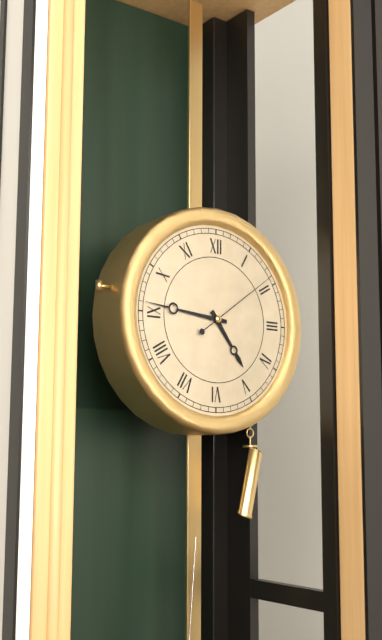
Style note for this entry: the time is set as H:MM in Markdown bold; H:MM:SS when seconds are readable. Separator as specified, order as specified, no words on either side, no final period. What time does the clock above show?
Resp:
**4:46:09**
